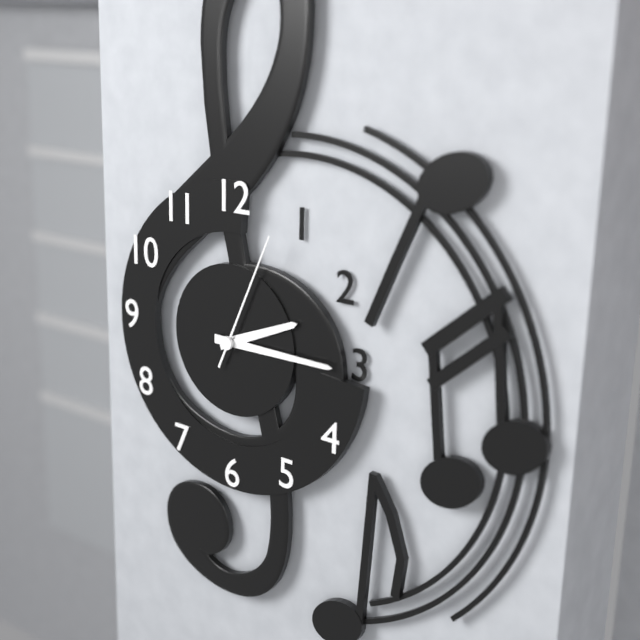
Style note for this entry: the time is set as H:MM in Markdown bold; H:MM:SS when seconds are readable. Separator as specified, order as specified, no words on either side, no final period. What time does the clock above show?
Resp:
**2:15:04**
